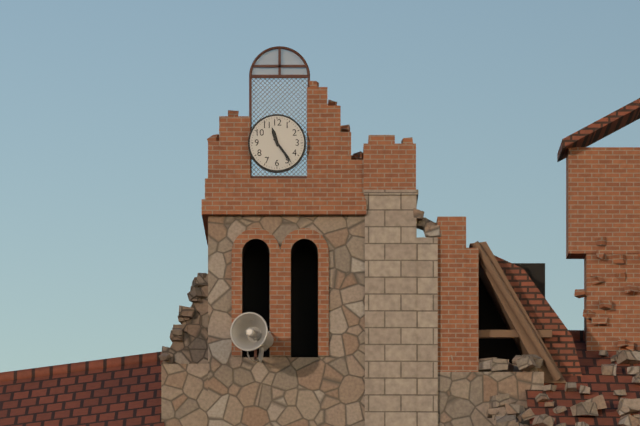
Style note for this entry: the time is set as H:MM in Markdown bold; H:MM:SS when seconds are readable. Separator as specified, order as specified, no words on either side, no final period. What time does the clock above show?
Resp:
**11:24**
